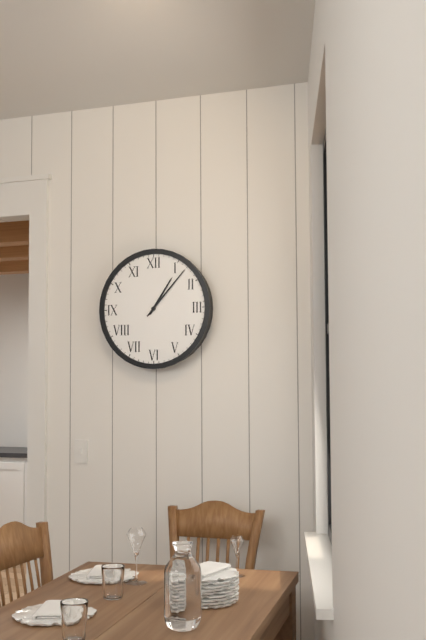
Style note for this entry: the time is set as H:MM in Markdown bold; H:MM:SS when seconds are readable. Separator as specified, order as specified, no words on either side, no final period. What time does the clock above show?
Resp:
**1:07**
